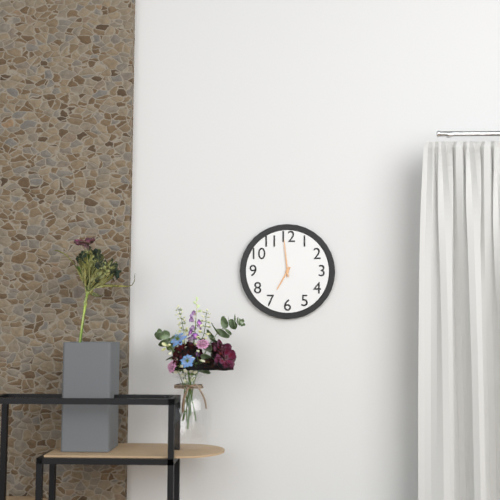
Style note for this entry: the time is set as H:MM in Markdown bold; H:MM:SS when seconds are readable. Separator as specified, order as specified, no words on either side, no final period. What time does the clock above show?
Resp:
**6:59**
